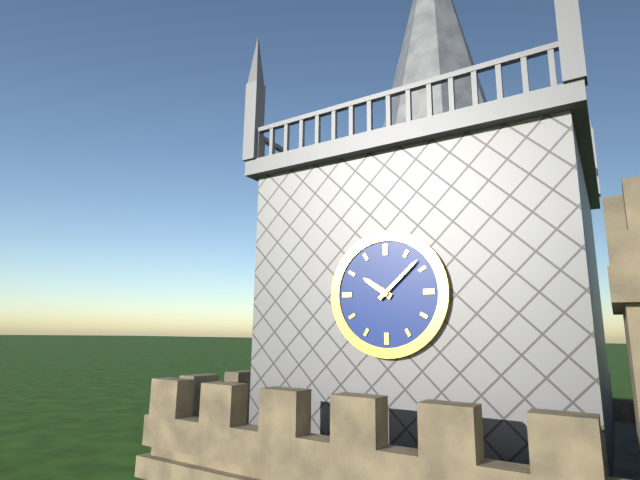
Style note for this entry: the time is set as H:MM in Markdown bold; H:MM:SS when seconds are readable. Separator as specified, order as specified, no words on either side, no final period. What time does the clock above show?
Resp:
**10:08**
